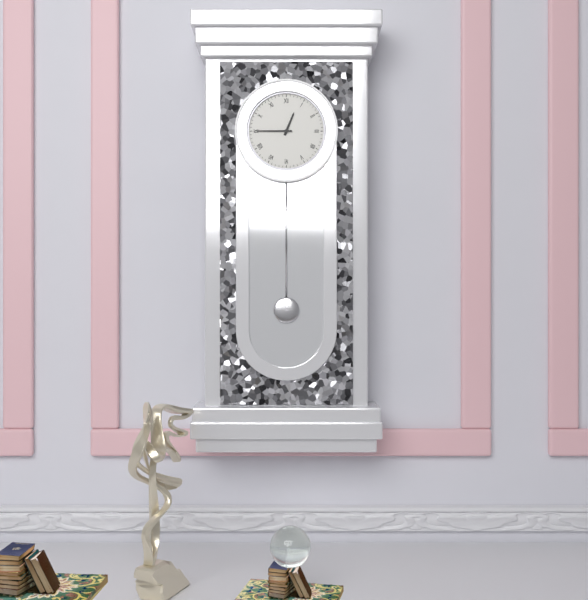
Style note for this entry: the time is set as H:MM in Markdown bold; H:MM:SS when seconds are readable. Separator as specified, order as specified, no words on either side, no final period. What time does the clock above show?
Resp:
**12:45**
